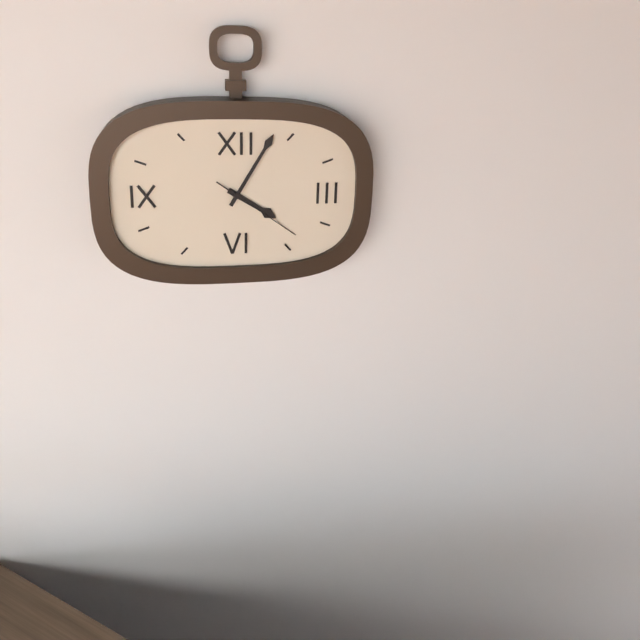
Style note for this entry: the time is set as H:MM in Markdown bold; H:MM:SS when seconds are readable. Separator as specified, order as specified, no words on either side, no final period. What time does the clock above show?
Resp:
**4:05:21**
